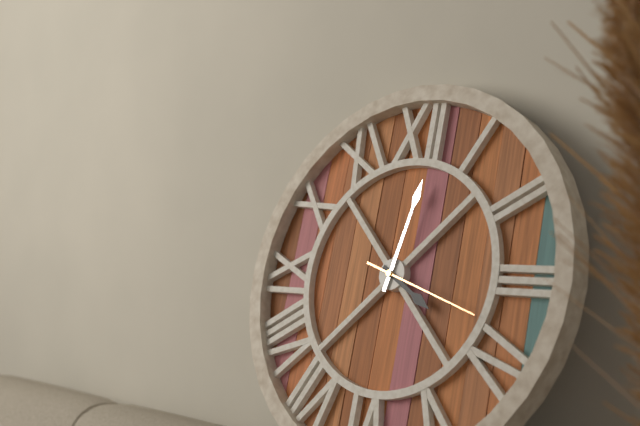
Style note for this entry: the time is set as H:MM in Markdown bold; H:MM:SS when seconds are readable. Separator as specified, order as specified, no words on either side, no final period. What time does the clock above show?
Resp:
**4:02:18**
